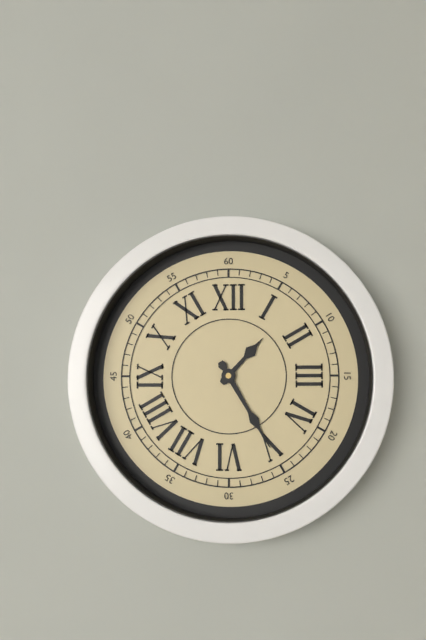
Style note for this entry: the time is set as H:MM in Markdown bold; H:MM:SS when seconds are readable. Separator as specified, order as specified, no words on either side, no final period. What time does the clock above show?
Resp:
**1:25**
